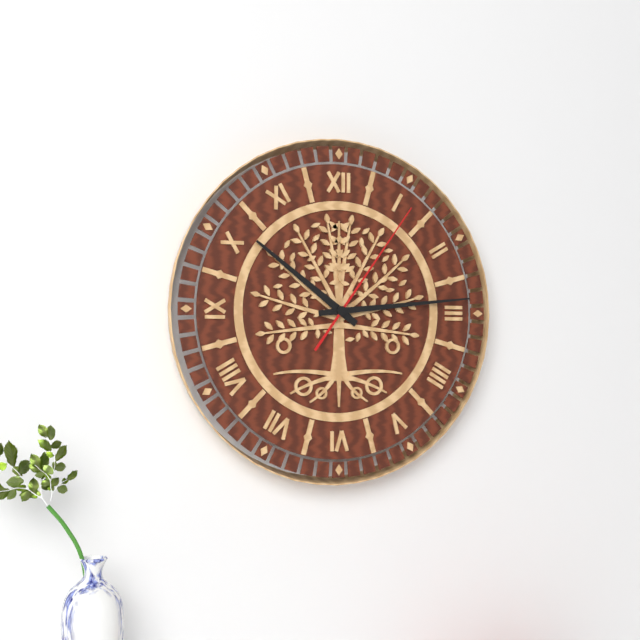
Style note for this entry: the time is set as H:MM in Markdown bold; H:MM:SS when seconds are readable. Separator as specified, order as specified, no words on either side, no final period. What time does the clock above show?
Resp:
**10:14:06**
